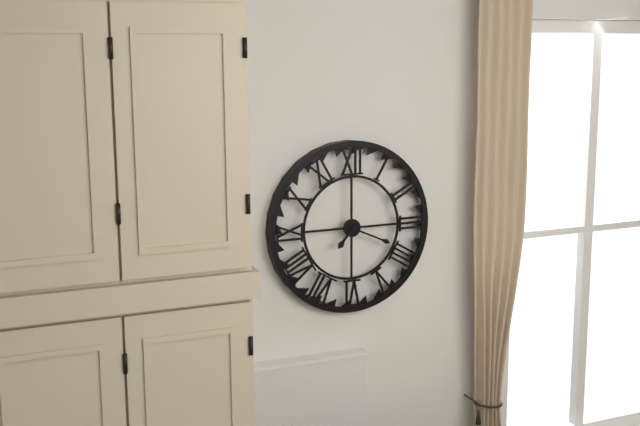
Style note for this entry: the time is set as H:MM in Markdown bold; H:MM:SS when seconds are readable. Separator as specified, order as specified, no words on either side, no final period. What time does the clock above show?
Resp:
**7:19**
